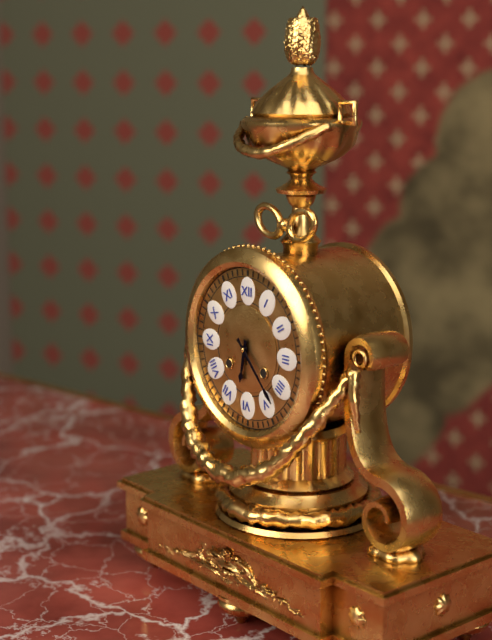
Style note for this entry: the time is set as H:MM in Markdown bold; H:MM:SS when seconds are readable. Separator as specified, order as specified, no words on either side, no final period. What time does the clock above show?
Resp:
**6:23**
